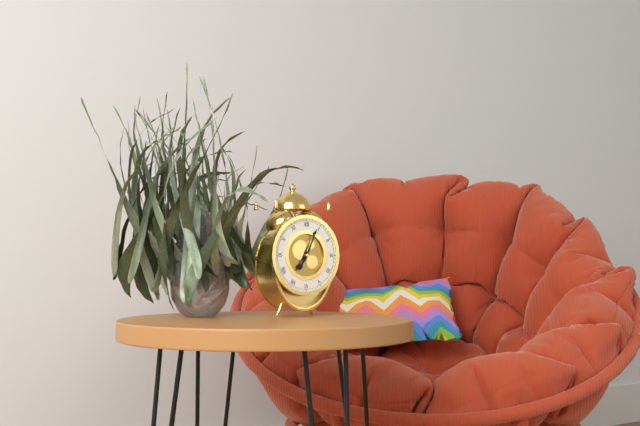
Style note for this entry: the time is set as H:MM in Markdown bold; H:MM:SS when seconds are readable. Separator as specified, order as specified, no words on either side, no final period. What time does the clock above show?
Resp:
**7:04**
